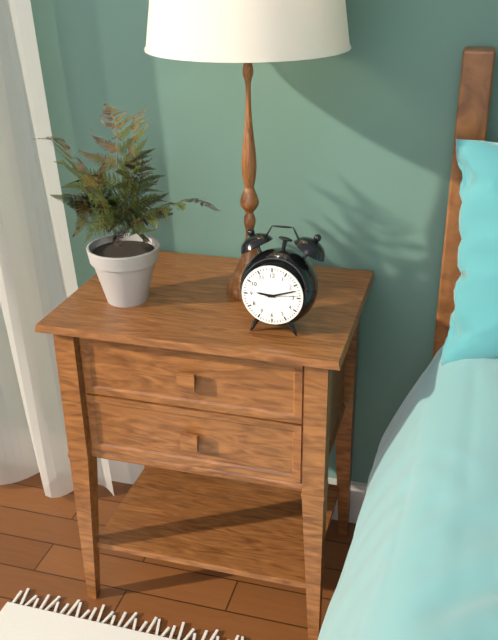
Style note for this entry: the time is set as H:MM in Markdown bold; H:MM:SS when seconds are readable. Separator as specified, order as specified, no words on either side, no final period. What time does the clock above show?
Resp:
**9:12**
